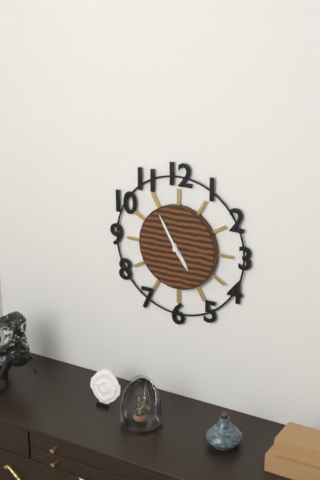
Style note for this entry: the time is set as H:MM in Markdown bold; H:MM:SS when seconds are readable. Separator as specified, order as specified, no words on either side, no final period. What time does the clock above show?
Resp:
**4:55**
